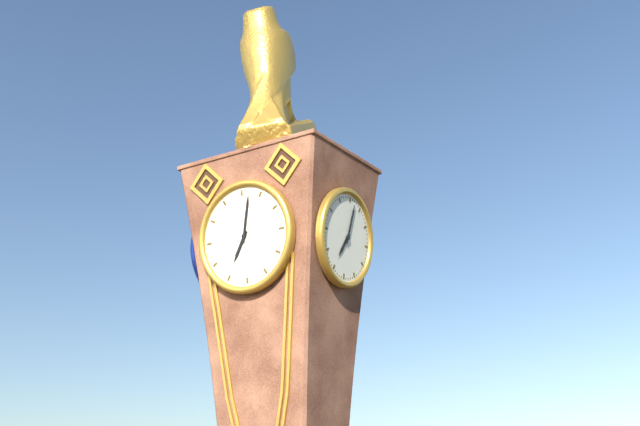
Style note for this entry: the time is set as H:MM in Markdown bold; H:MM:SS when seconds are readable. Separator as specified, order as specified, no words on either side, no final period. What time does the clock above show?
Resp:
**7:02**
